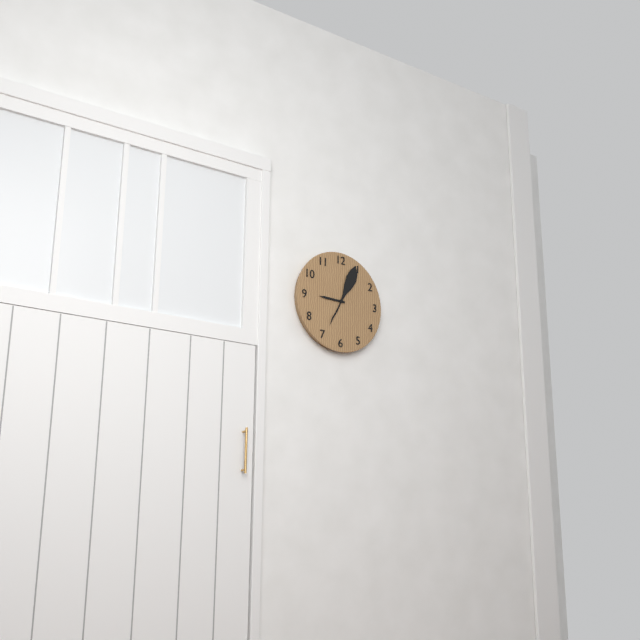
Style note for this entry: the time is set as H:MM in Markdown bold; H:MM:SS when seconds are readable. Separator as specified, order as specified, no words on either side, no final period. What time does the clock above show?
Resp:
**9:04**
